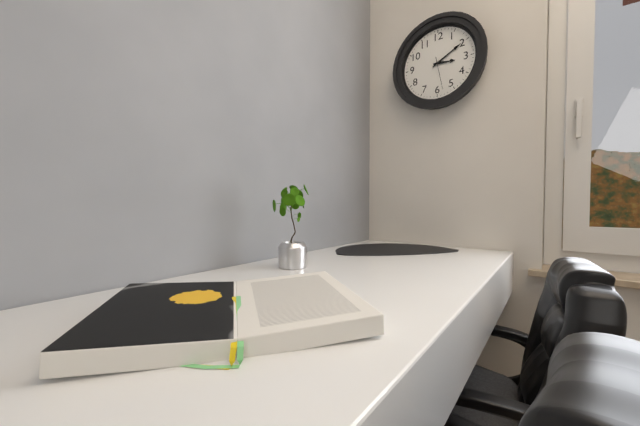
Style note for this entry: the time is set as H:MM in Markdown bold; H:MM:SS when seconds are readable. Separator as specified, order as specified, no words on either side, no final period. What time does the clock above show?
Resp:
**3:10**
